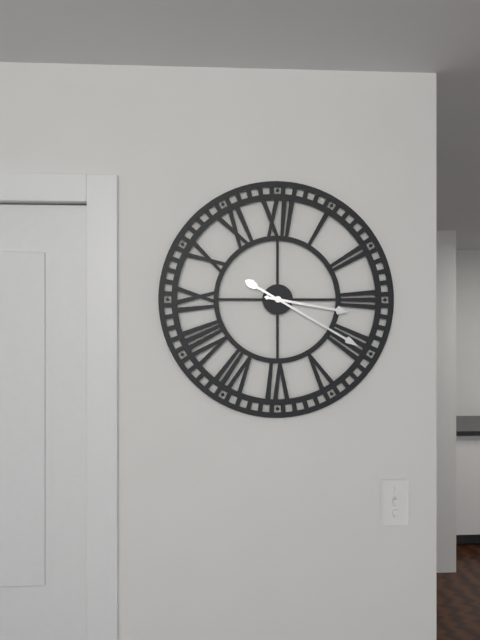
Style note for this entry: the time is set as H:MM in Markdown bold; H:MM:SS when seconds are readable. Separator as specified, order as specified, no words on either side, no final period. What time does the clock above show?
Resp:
**3:20**
